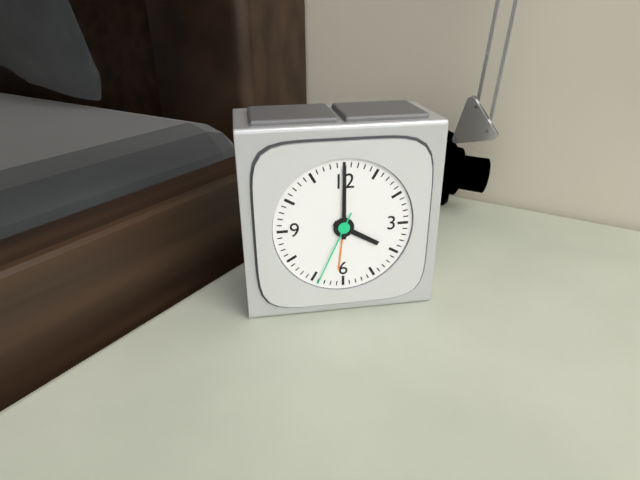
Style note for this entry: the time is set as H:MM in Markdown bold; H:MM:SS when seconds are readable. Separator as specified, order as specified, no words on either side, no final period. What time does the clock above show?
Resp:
**4:00:34**
